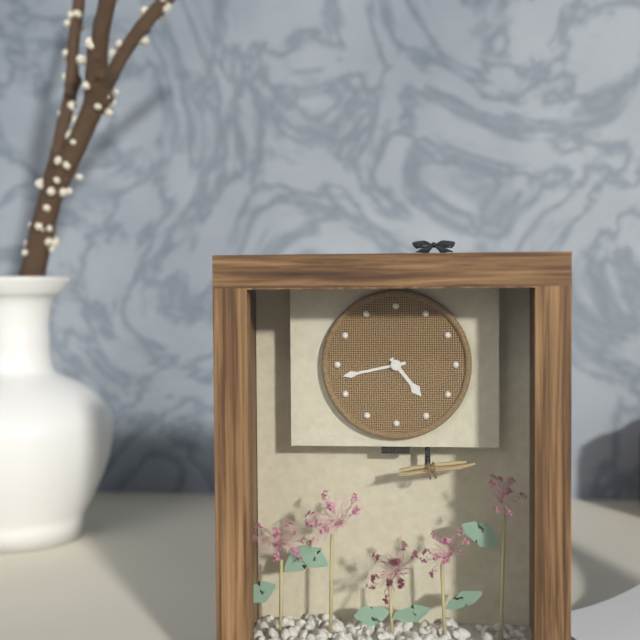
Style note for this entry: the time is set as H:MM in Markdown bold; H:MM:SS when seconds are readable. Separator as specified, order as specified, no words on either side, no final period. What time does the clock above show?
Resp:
**4:43**
